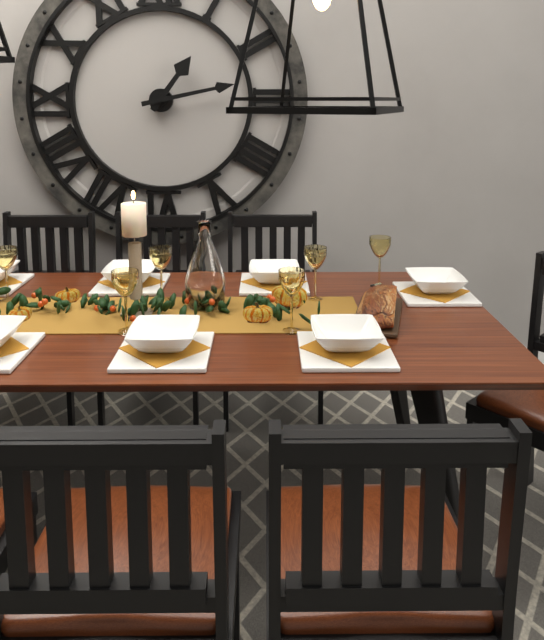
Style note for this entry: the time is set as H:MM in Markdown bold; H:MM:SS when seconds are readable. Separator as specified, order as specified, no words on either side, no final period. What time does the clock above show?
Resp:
**1:13**
